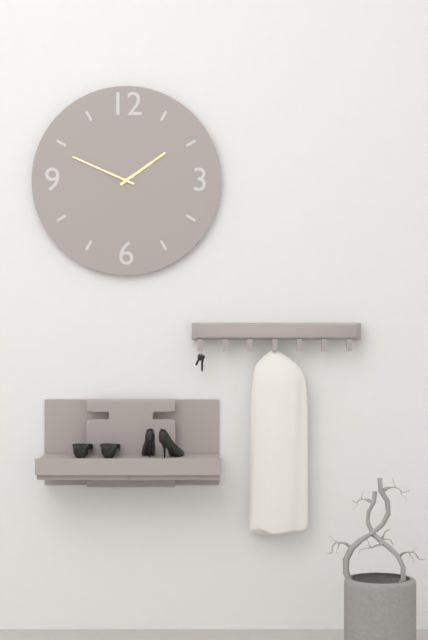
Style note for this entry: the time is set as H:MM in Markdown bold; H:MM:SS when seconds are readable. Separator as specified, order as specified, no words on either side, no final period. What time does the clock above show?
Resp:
**1:49**
